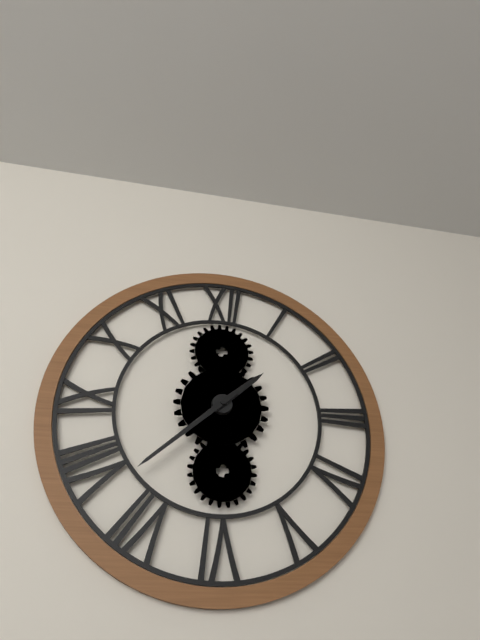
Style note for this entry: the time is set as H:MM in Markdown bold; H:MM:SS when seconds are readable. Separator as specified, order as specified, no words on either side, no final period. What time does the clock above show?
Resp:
**1:38**
